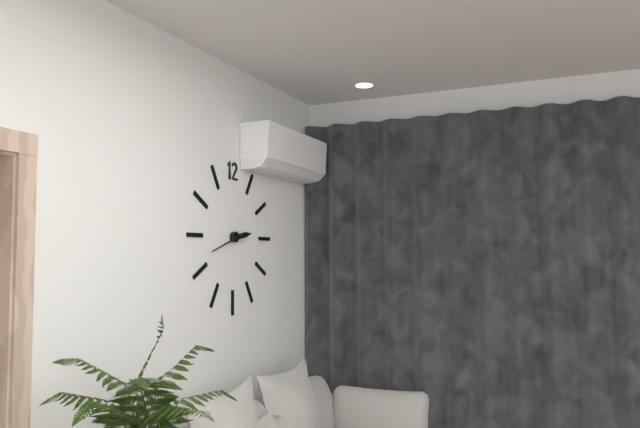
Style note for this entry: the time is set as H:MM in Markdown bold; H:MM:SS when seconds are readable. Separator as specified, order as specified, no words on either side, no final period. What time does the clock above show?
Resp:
**2:42**
